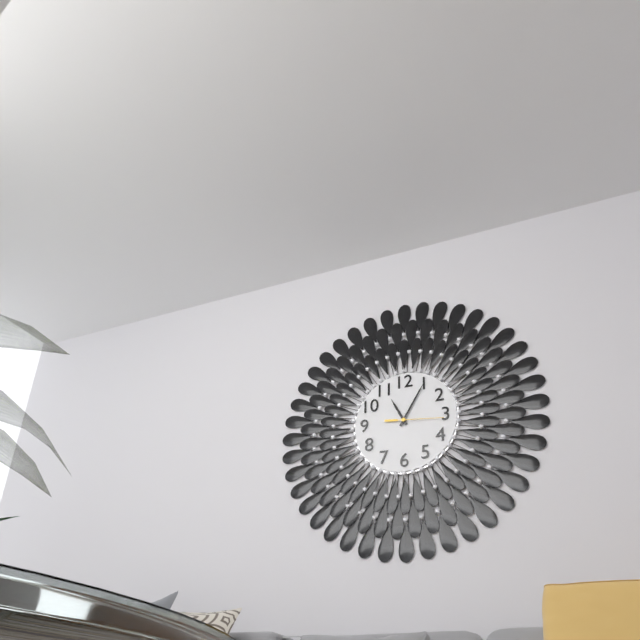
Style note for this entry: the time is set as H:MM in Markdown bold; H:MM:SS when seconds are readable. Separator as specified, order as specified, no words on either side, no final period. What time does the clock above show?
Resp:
**11:05:16**
